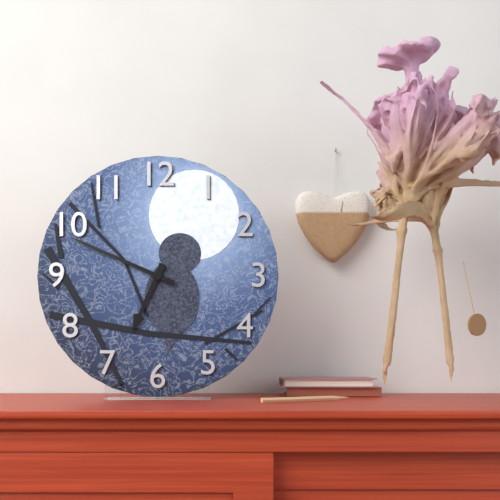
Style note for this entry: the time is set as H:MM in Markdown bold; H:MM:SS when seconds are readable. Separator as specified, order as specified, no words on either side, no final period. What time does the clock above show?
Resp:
**6:49**
